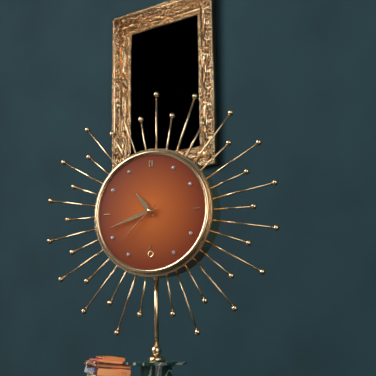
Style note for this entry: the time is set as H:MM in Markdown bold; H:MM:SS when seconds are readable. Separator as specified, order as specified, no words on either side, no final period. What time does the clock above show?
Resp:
**10:42:38**
